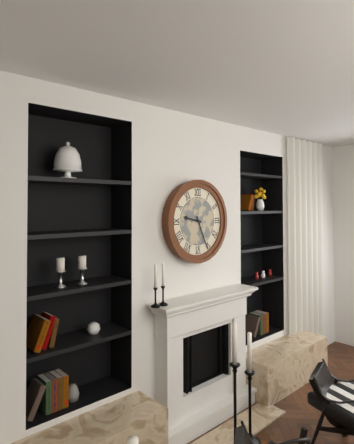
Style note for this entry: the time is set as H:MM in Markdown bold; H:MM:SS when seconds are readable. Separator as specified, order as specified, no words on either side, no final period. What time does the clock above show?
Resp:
**9:26**
